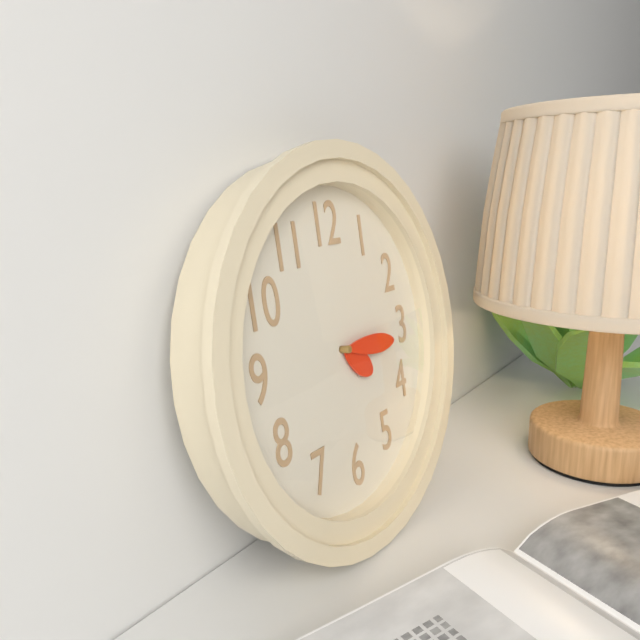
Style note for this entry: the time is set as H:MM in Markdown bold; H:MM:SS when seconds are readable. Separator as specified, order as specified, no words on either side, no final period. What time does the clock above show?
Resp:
**4:16**
